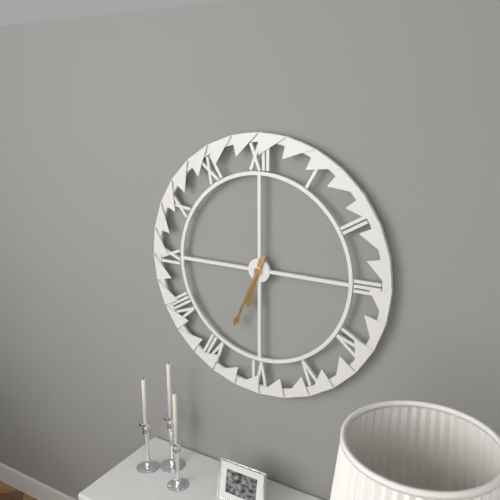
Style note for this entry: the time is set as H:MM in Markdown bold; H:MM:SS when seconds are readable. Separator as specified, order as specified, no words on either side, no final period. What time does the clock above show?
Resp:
**6:34**
